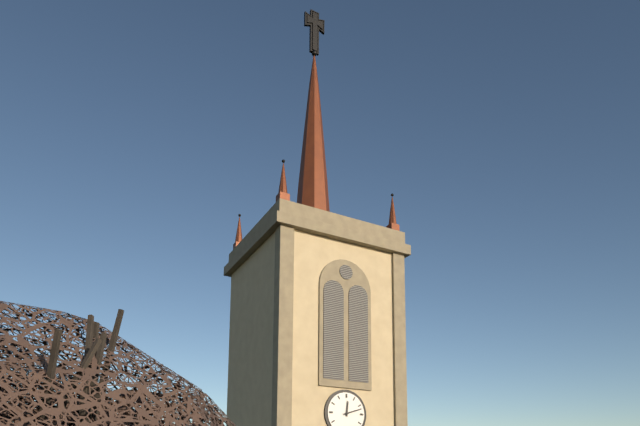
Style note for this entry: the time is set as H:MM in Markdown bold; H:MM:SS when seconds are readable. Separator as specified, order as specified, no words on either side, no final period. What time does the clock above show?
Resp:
**12:12**
